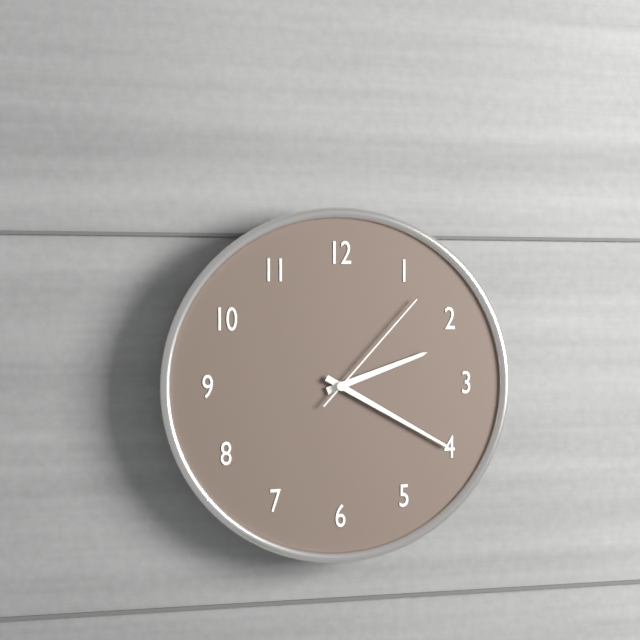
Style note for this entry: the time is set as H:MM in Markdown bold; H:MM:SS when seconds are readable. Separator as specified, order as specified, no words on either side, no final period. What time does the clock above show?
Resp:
**2:20:07**
